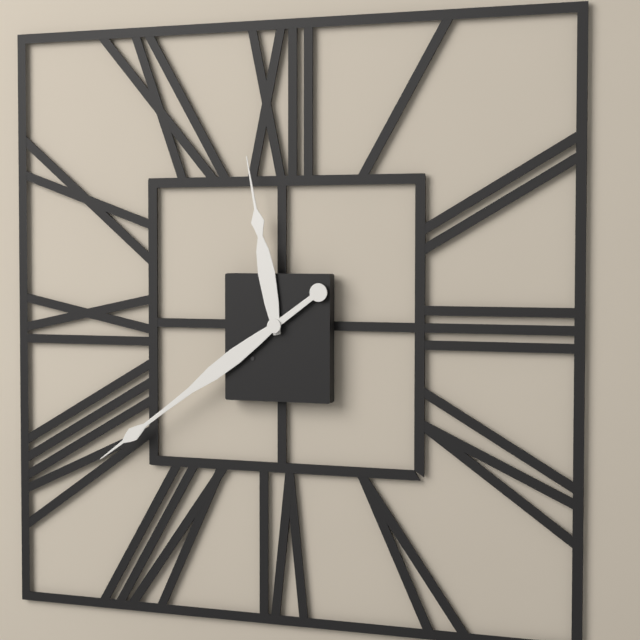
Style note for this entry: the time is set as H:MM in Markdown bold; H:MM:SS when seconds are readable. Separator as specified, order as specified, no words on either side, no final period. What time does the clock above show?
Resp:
**11:39**
